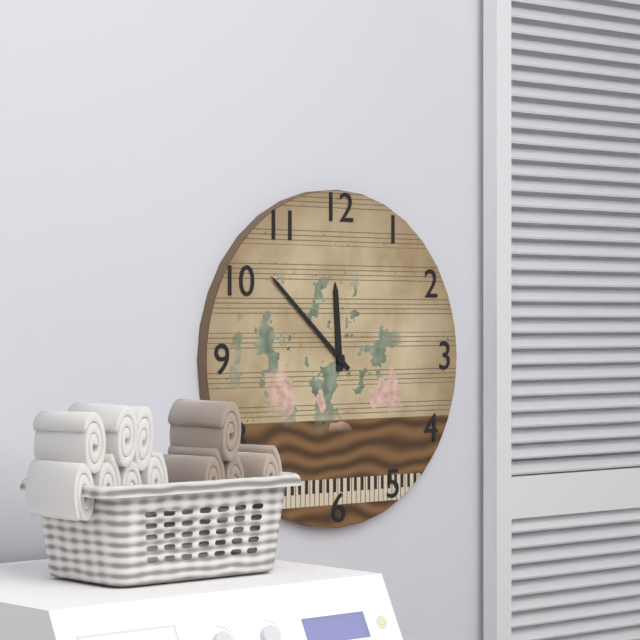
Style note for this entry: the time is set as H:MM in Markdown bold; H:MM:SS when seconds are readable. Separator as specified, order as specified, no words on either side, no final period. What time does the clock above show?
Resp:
**11:52**
